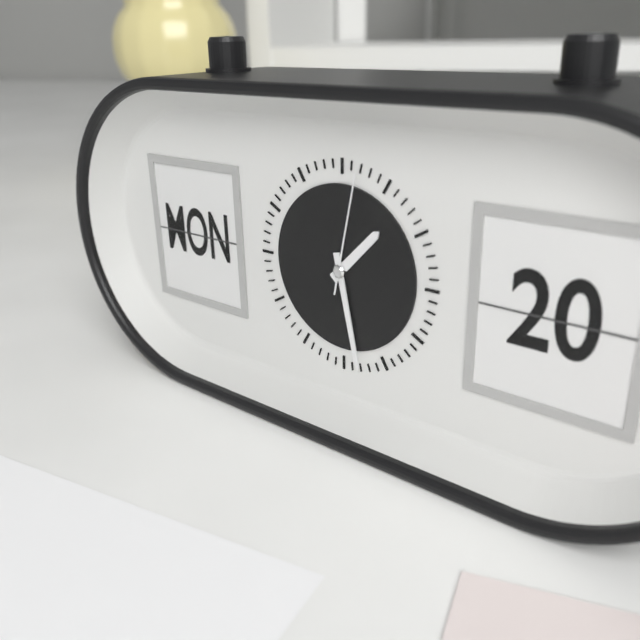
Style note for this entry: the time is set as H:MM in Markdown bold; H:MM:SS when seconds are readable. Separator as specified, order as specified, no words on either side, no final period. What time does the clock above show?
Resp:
**1:28:02**
